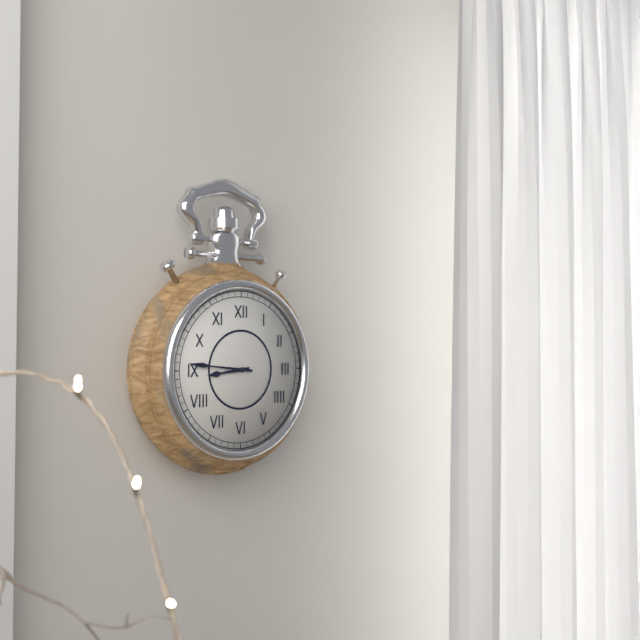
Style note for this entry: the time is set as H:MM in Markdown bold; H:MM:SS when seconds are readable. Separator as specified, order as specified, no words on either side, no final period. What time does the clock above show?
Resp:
**8:46**
